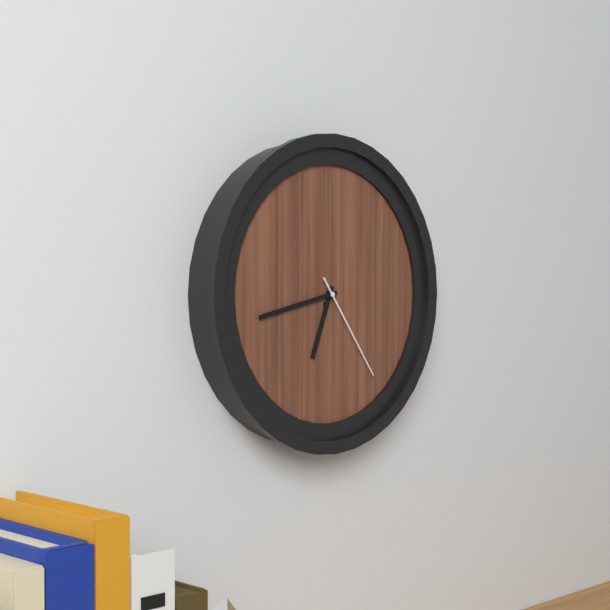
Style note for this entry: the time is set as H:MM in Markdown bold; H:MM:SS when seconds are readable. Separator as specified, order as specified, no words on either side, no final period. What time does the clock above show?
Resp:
**6:43:24**
